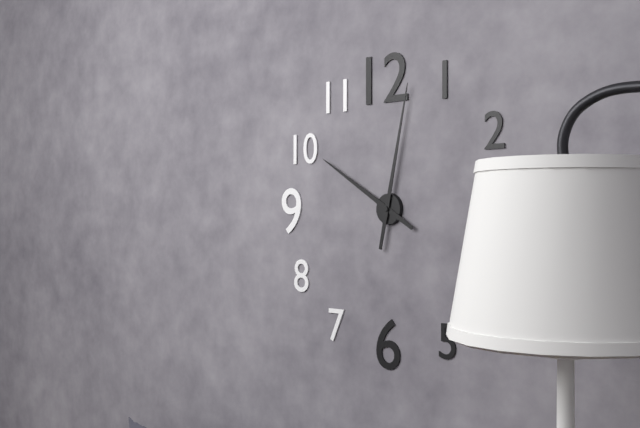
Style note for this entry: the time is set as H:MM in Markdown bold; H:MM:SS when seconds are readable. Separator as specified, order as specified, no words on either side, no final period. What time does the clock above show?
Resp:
**10:02**
